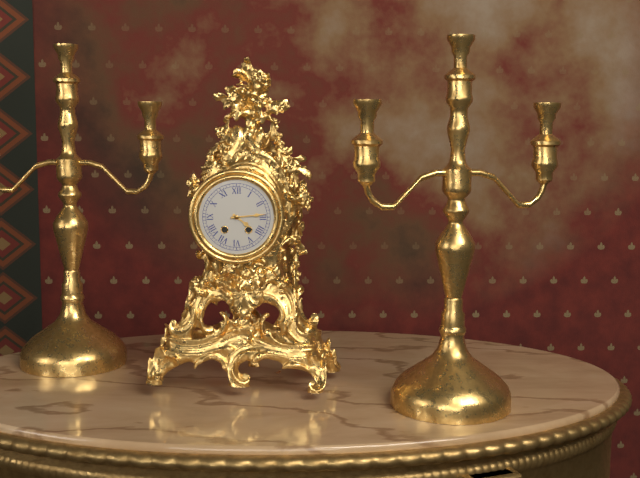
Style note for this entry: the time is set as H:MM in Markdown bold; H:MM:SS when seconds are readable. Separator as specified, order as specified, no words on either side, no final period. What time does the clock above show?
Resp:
**4:14**
